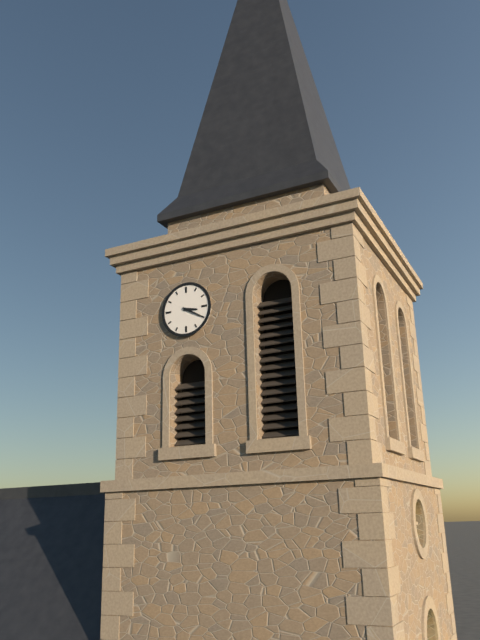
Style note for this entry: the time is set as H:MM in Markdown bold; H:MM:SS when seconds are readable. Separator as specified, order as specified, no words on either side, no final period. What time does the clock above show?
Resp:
**3:20**
